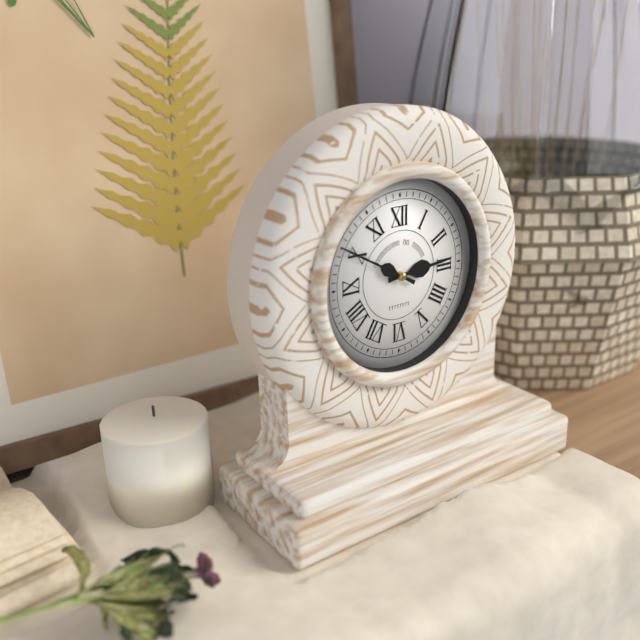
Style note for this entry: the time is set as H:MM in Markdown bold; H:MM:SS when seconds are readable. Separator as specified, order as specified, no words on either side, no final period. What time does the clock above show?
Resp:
**2:50**
